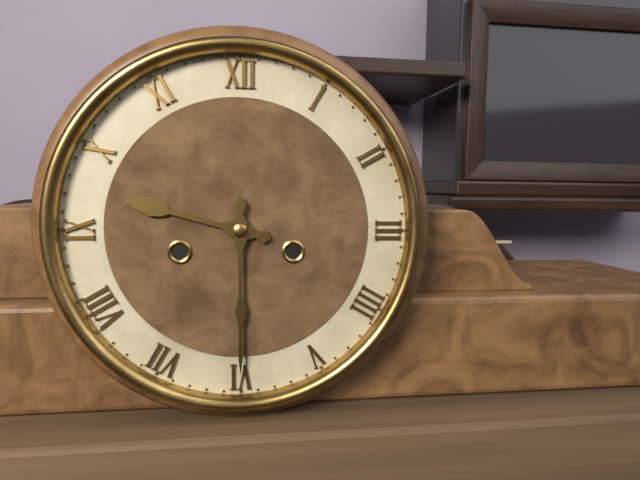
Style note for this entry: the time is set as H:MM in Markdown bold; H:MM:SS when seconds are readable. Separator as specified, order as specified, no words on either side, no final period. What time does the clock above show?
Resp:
**9:30**
